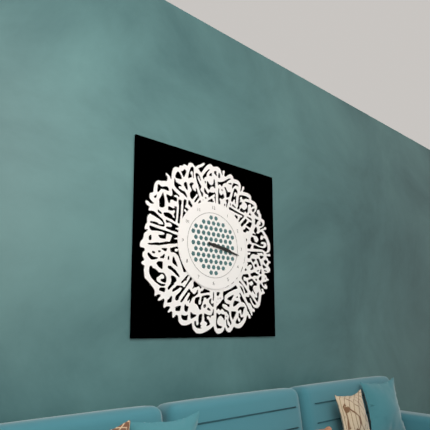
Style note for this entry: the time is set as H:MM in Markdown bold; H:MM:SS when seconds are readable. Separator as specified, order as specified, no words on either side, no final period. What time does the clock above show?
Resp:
**3:17**
